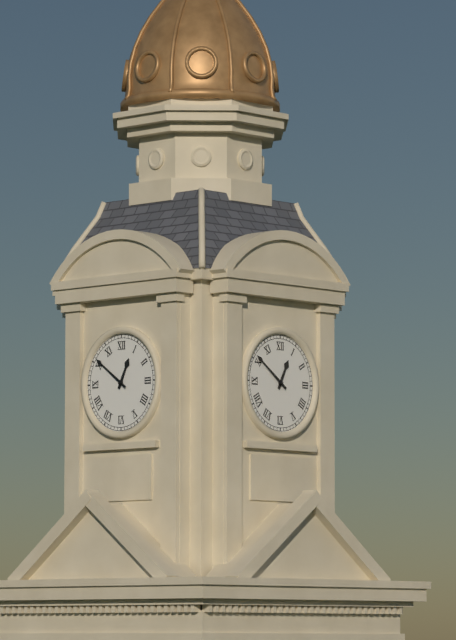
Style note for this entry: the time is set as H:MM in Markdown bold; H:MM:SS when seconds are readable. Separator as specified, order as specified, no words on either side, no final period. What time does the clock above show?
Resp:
**12:51**
